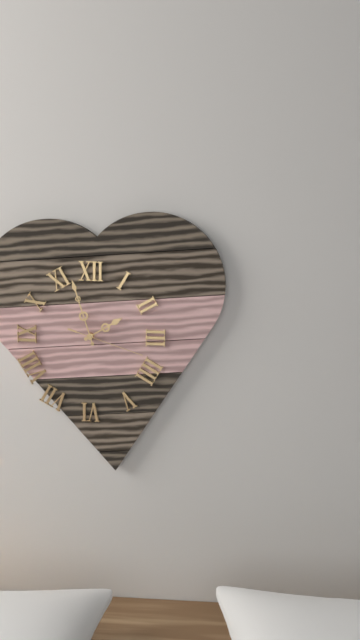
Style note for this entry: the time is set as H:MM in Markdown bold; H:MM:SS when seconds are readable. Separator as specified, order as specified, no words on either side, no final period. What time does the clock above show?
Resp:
**1:57:18**
